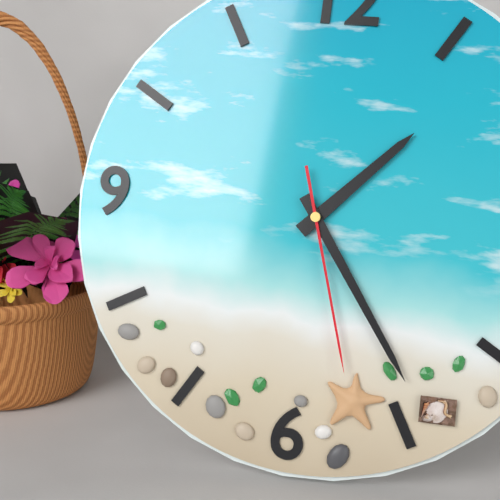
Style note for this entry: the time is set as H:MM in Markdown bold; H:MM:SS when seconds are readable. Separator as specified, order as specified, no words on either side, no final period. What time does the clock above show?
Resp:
**1:24:27**
